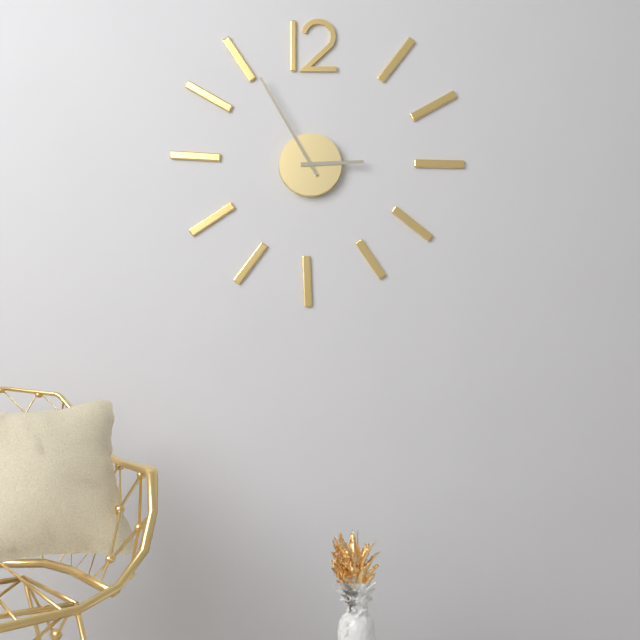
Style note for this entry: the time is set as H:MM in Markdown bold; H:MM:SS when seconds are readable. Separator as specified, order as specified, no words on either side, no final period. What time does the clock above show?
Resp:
**2:55**
